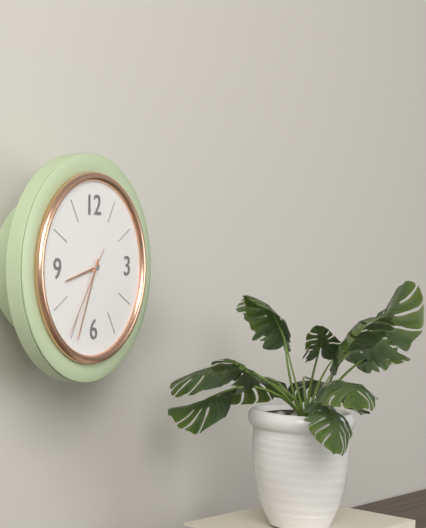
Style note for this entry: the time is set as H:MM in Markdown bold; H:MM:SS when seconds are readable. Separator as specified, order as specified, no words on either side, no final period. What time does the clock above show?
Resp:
**8:34:36**
